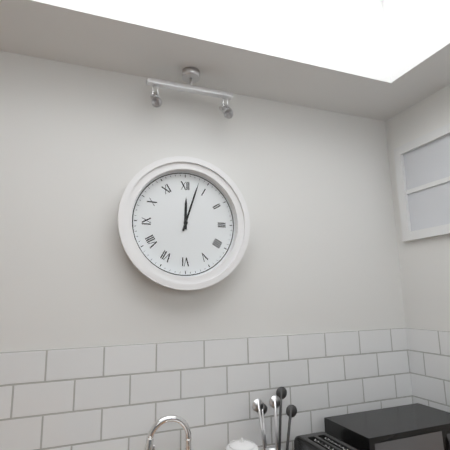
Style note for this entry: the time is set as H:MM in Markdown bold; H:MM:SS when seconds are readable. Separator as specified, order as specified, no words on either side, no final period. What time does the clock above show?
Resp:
**12:03**
